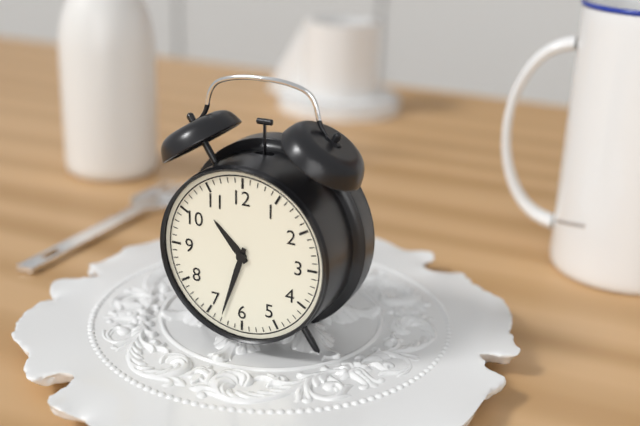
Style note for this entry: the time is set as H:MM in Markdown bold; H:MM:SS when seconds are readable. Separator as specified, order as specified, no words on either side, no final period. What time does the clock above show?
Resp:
**10:33**
